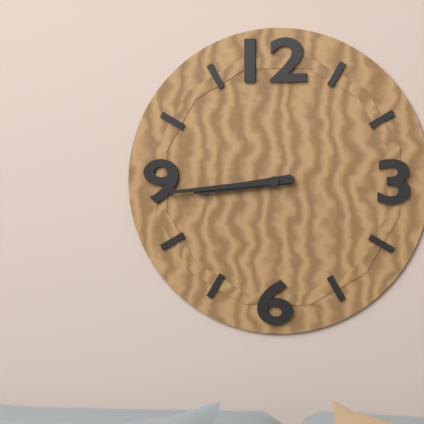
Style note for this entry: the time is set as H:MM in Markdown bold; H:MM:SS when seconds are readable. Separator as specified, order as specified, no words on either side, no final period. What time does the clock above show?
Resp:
**8:44**
